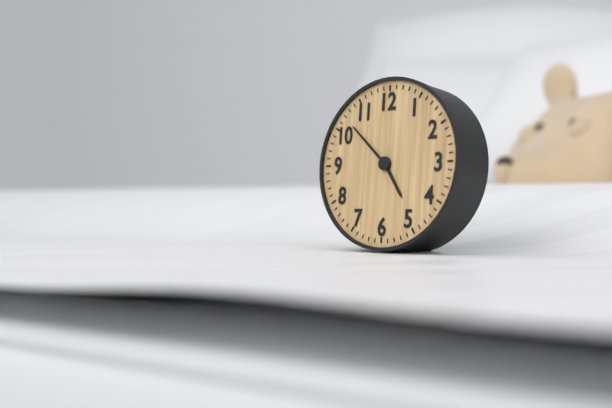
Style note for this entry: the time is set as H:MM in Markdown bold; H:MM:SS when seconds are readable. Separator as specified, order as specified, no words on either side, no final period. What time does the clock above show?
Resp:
**4:52**
